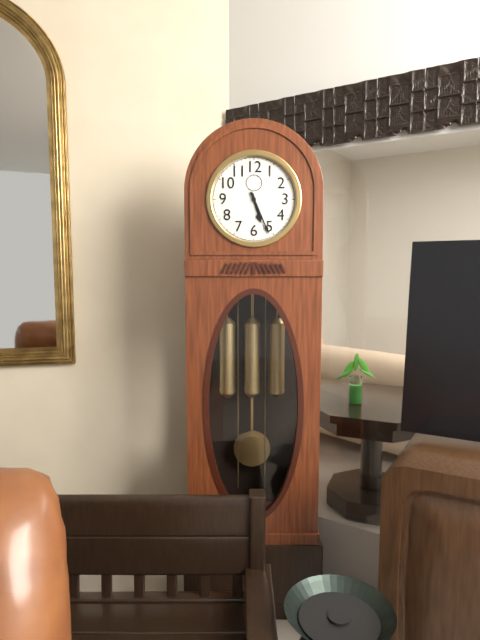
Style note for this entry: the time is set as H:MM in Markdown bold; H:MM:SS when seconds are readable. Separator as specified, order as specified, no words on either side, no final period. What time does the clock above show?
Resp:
**5:26**
